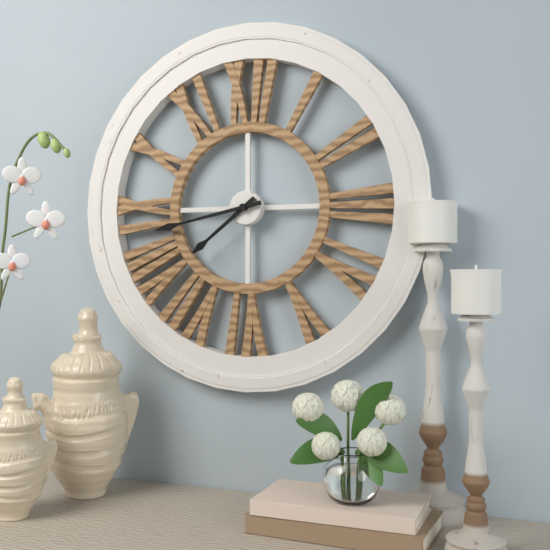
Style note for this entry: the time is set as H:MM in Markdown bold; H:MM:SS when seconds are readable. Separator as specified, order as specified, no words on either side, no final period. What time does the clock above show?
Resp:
**7:43**
